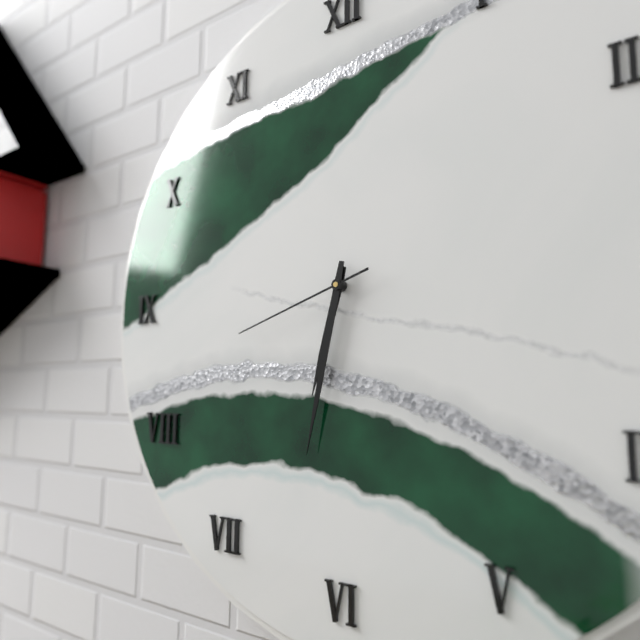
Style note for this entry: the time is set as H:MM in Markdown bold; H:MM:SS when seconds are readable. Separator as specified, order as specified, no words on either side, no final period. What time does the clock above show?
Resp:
**6:32:42**
